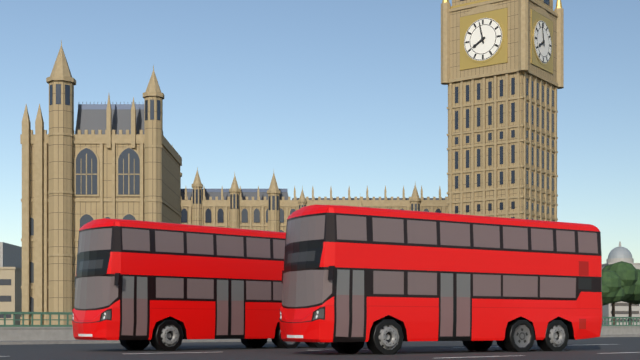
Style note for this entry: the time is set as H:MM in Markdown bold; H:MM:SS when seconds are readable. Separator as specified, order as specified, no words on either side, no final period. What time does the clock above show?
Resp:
**7:58**
